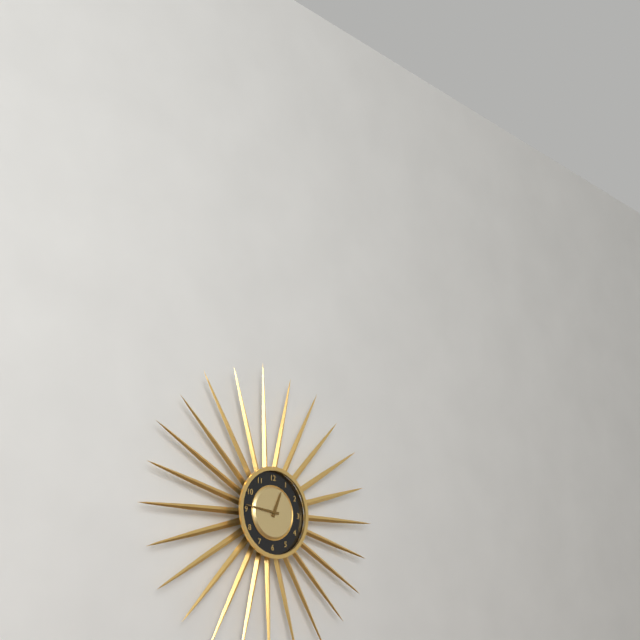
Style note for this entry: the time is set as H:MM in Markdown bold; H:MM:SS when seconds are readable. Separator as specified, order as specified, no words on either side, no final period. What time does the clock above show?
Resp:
**12:46**
